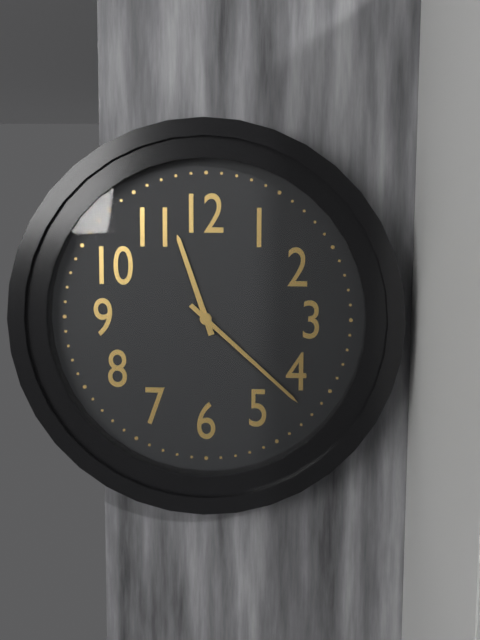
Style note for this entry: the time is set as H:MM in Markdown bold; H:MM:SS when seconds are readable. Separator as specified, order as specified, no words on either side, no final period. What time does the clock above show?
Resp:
**11:22**
